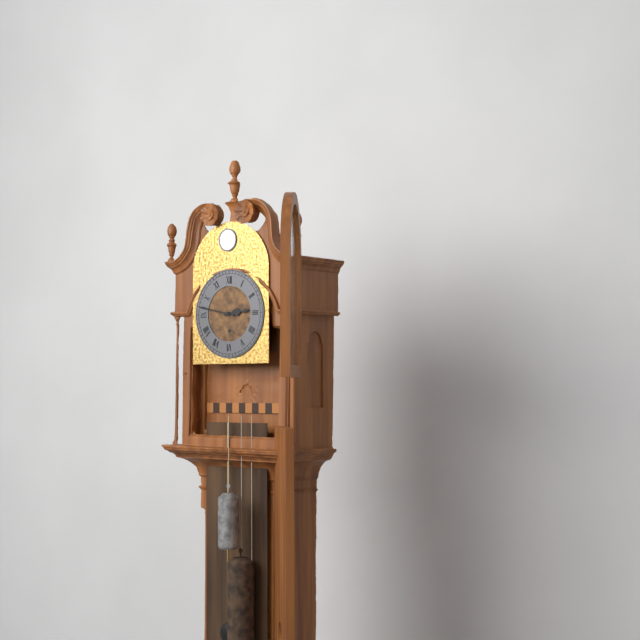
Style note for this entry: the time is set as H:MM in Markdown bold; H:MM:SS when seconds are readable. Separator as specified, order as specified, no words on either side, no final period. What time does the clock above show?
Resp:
**2:47**
